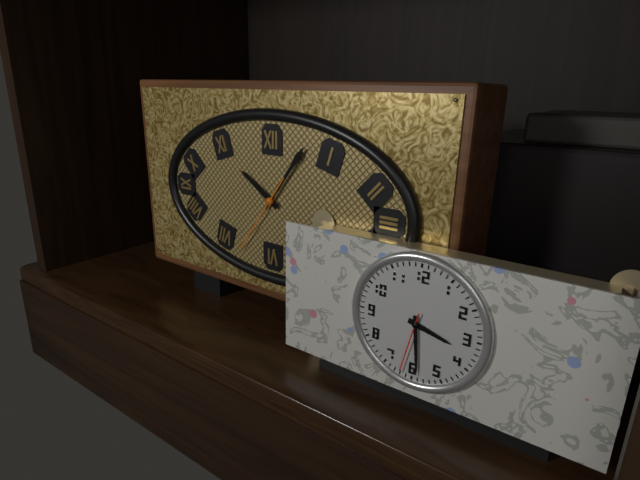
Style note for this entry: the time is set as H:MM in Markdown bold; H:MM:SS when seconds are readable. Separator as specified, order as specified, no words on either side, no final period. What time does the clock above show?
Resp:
**10:06:36**
